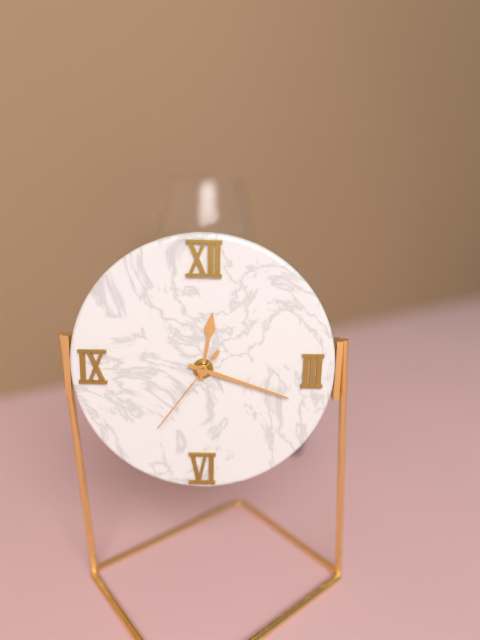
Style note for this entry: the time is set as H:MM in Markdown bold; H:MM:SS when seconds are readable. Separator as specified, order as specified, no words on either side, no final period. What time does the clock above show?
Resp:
**12:18:36**
